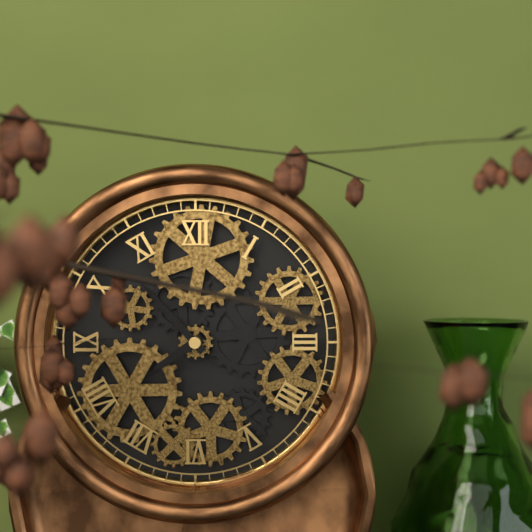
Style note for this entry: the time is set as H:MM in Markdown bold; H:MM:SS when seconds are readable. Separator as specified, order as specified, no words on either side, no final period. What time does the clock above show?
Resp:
**7:53**
